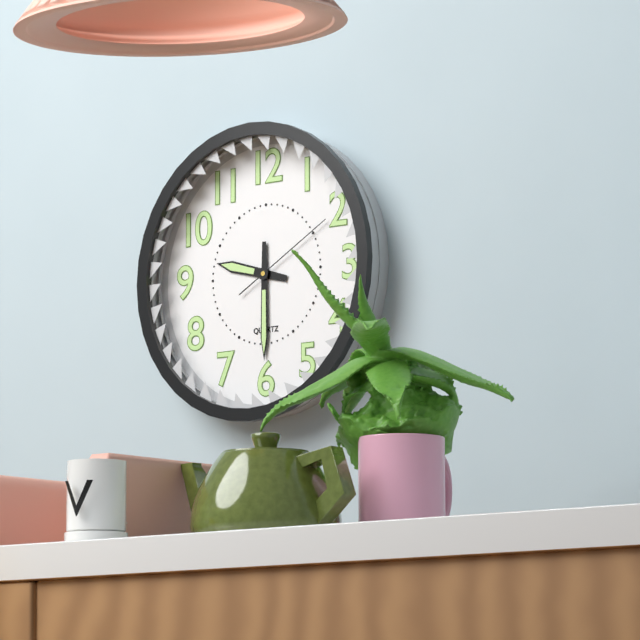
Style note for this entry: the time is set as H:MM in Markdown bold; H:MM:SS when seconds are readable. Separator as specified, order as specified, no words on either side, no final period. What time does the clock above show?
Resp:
**9:30:10**
